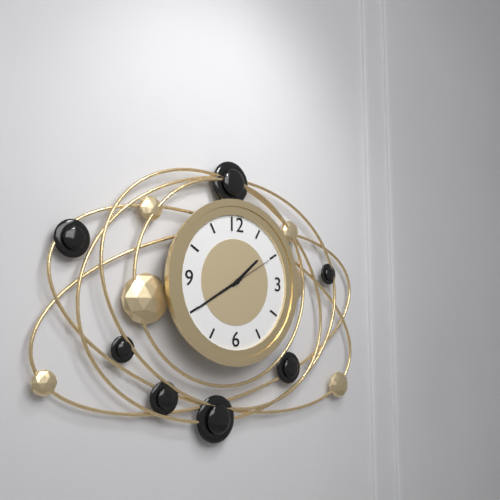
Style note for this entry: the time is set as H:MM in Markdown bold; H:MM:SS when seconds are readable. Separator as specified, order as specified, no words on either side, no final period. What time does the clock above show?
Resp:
**1:40**
